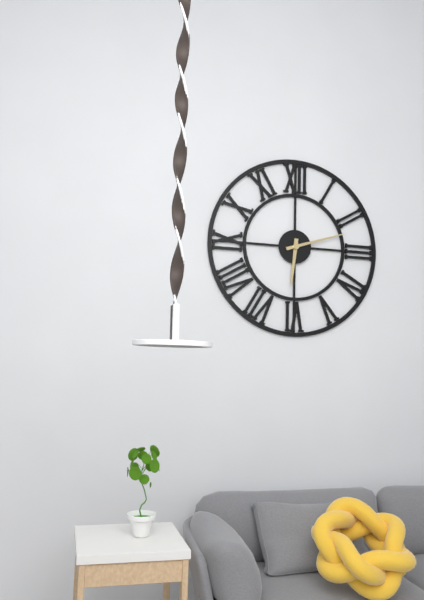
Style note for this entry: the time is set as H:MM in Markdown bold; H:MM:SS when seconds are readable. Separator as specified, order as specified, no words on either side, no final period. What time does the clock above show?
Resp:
**6:12**
